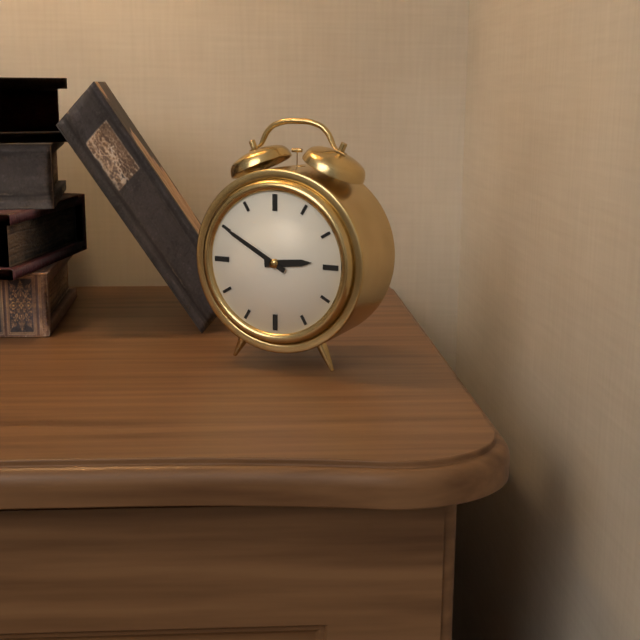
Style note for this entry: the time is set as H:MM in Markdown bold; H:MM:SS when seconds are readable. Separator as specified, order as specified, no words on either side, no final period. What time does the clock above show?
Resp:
**2:50**
